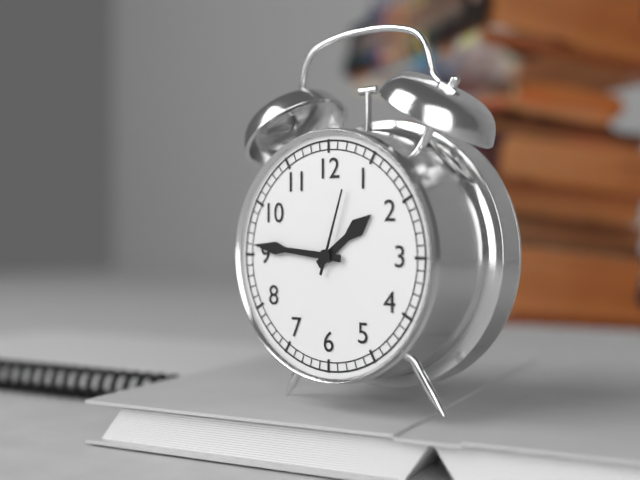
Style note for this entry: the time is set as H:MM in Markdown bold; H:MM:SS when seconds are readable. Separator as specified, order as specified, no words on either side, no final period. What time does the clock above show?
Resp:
**1:46:03**
